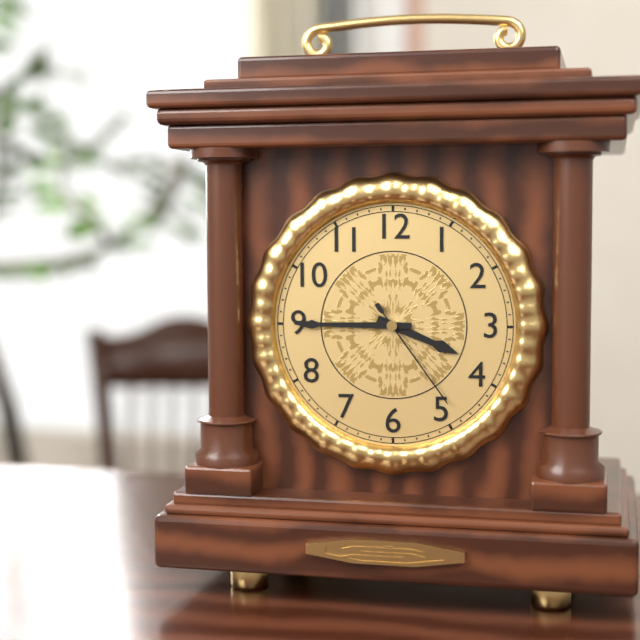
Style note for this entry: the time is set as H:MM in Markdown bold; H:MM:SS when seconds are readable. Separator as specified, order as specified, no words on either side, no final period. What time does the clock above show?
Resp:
**3:45:24**
